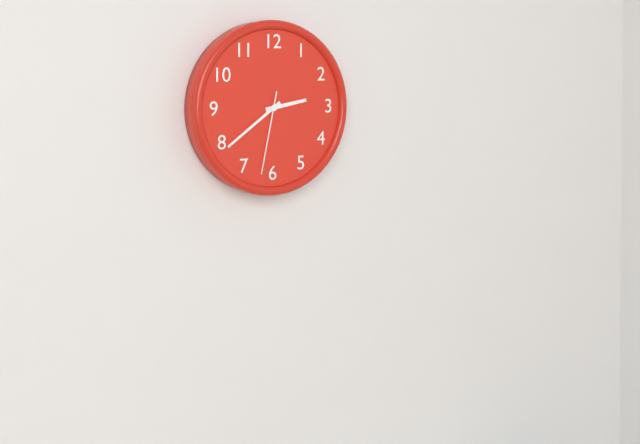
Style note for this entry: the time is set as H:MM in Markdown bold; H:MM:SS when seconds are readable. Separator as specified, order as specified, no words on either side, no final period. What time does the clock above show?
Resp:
**2:39:32**
